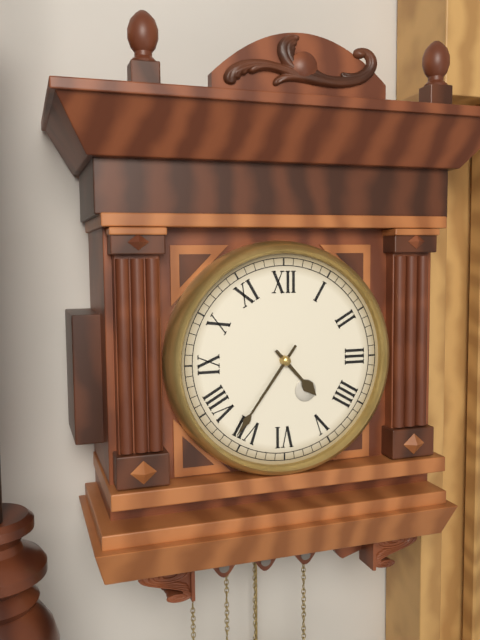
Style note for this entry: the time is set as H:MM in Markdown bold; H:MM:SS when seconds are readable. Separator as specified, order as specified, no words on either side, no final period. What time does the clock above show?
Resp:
**4:36**
